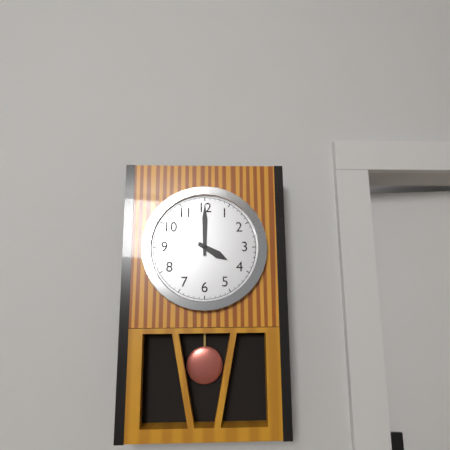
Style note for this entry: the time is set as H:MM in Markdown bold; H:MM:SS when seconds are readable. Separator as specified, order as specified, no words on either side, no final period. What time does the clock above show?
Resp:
**4:00**
